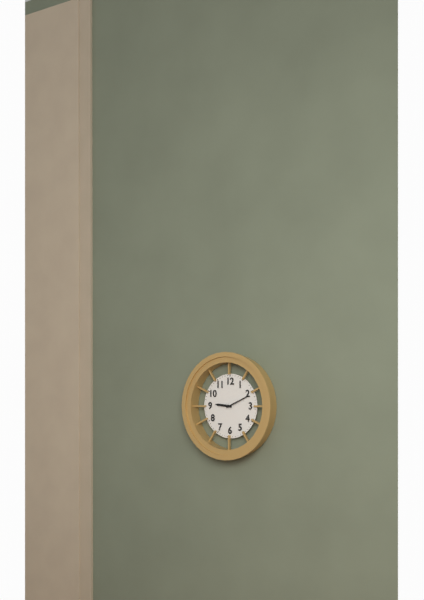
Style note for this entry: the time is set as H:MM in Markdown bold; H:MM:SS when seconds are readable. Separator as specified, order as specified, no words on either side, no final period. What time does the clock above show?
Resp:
**9:11**
